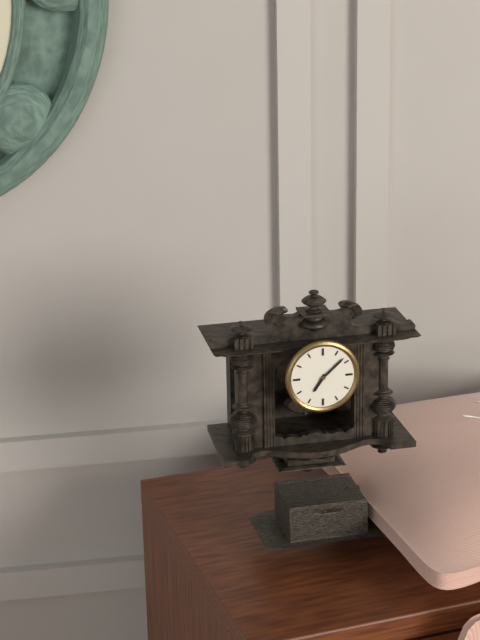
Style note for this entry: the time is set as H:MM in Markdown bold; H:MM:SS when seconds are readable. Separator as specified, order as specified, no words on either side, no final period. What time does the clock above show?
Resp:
**7:08**
